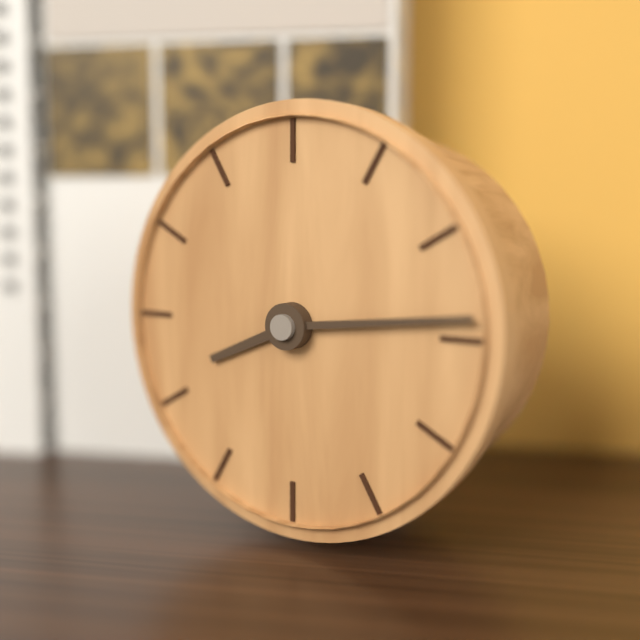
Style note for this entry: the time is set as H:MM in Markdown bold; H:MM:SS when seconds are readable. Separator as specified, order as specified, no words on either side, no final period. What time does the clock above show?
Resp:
**8:14**
